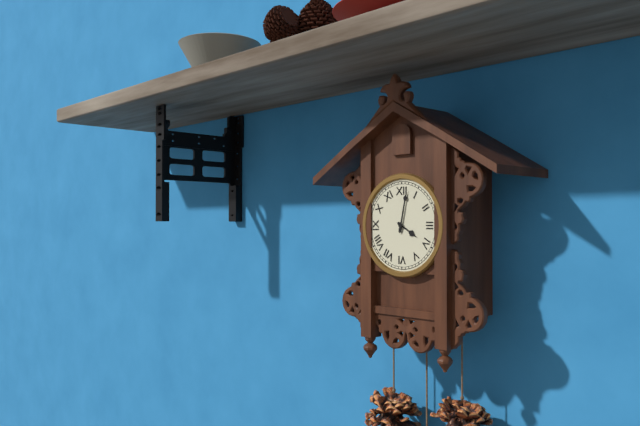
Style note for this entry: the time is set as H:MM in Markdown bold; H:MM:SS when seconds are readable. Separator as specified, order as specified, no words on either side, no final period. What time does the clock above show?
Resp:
**4:02**
